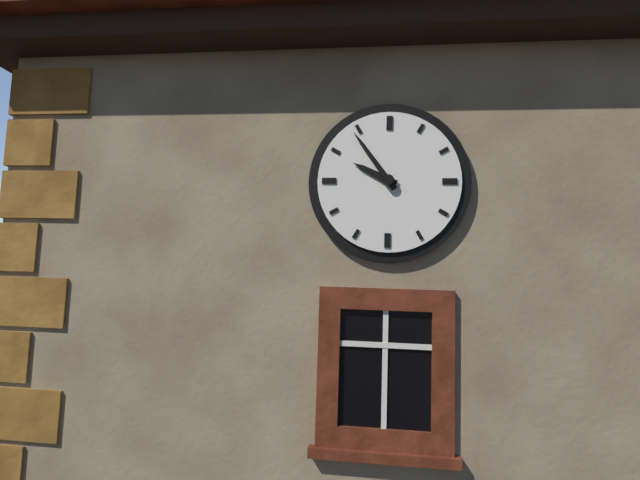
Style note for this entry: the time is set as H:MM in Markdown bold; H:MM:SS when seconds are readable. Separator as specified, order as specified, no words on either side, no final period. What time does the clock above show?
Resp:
**9:54**
